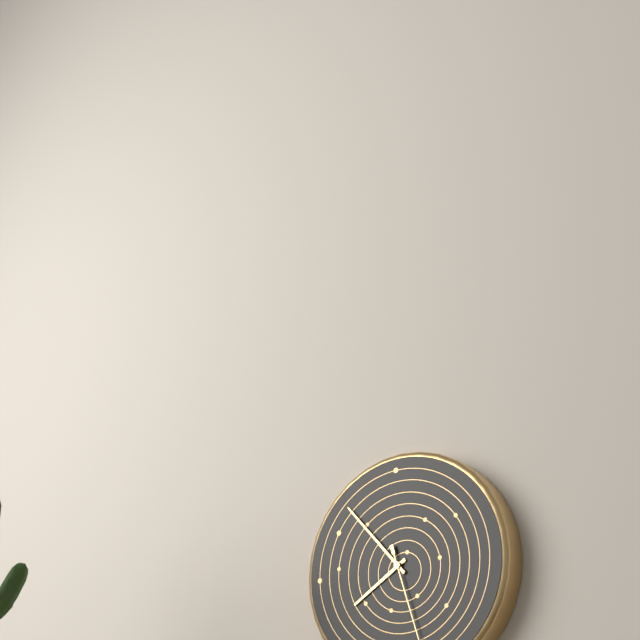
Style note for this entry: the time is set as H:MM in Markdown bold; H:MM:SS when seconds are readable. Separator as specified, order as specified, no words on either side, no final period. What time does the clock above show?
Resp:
**7:53**
